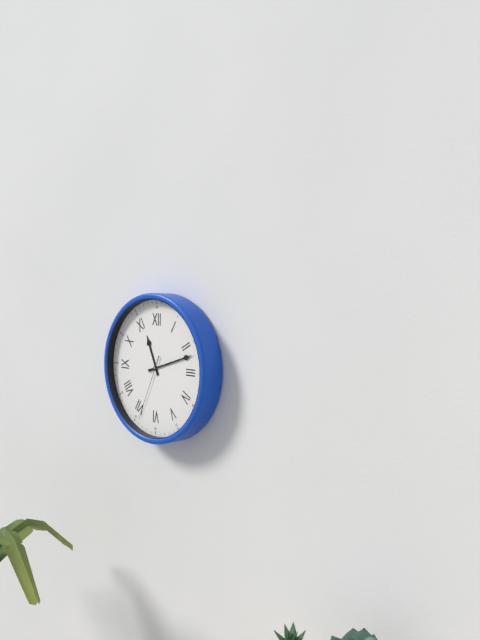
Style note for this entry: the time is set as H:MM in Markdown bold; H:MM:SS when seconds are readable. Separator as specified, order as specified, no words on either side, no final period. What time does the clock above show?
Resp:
**11:12:34**
